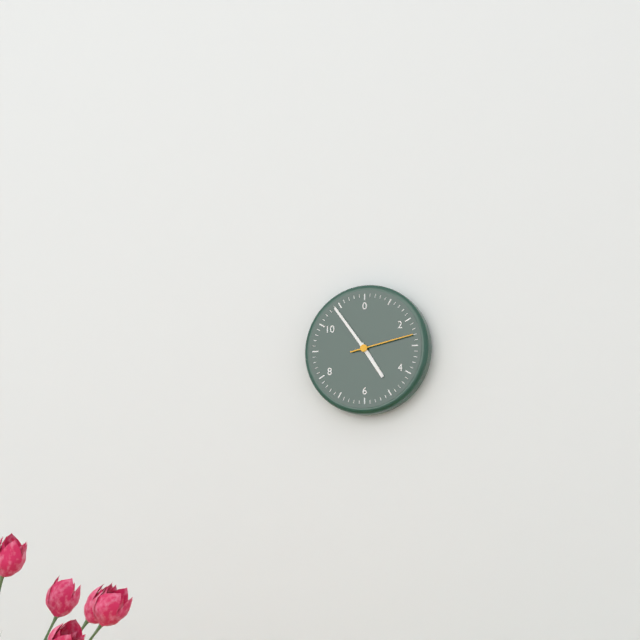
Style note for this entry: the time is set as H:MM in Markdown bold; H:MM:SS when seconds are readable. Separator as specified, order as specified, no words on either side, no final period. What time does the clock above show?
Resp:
**4:54:13**
